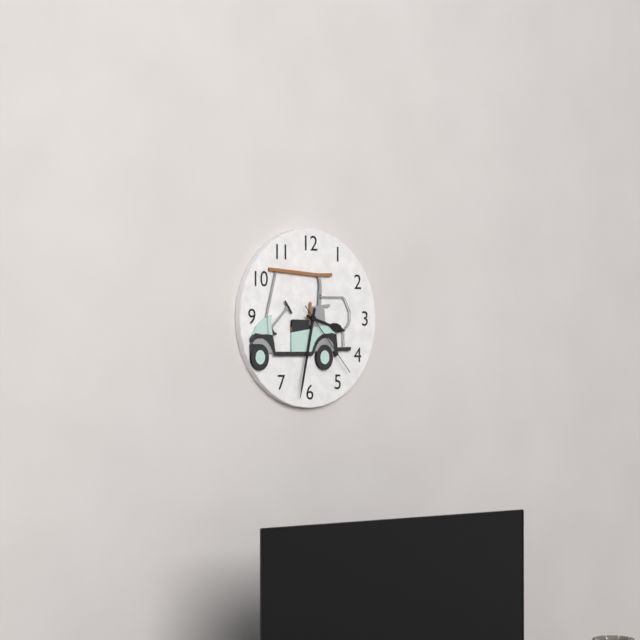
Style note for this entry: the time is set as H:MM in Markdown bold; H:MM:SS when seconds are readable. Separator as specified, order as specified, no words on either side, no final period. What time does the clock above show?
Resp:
**3:32:23**
